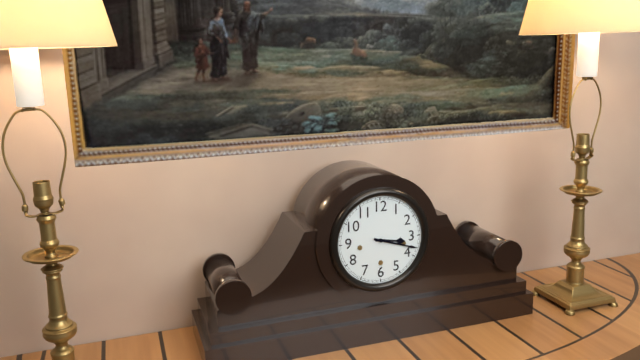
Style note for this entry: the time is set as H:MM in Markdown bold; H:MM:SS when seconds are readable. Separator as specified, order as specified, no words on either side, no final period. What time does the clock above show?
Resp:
**3:18**
